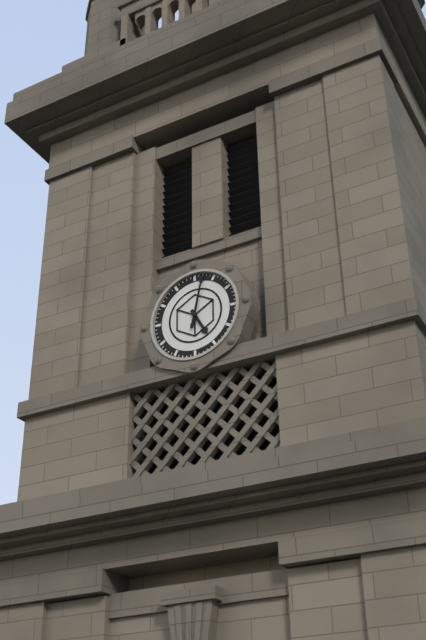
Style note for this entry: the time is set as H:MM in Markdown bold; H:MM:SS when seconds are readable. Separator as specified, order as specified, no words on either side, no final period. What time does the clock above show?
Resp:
**5:02**
